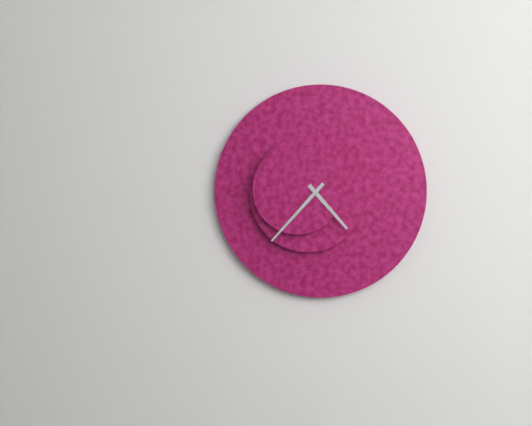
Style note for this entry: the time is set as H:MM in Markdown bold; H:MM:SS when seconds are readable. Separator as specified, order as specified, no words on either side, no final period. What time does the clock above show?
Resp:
**4:37**
